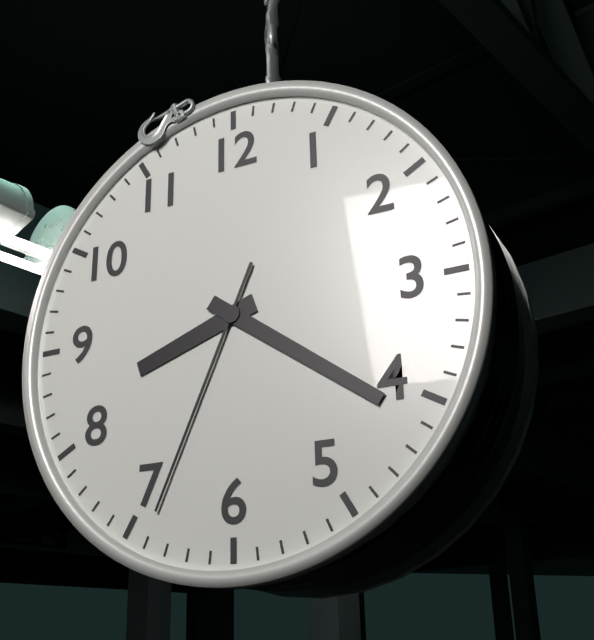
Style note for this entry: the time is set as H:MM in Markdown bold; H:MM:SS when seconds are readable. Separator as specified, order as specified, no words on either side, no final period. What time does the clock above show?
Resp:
**8:21:34**
